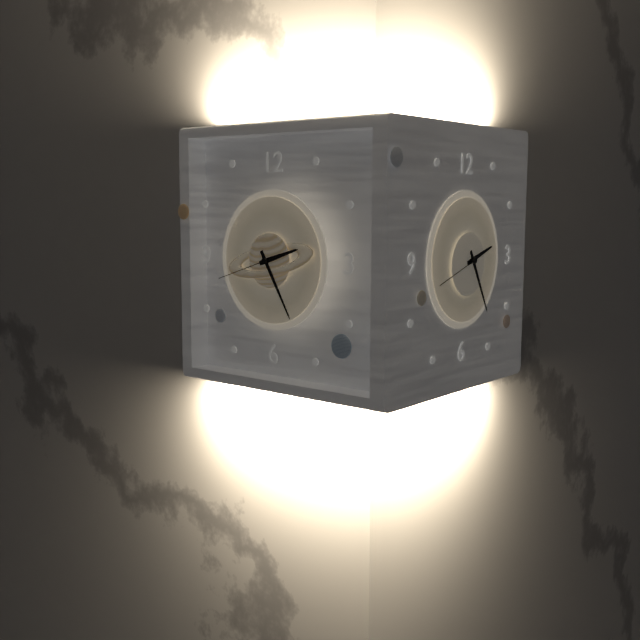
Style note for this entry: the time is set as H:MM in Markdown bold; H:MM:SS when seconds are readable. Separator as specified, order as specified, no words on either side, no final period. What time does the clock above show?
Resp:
**2:25:42**
